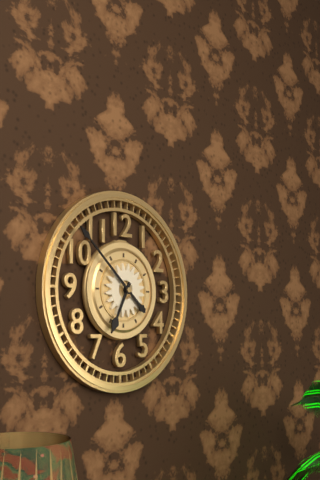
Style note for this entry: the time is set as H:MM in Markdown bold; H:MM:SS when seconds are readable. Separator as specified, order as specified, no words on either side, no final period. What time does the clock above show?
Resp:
**6:52**
